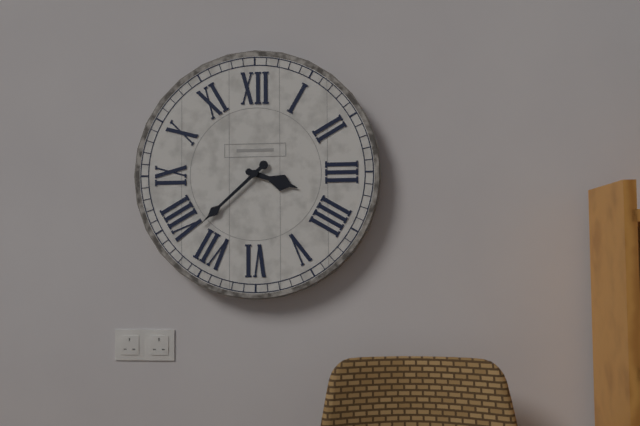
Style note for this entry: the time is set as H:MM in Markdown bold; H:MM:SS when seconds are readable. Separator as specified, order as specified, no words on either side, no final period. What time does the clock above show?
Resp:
**3:38**
